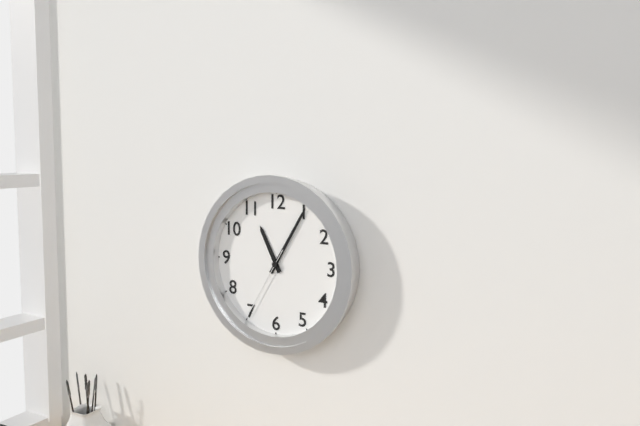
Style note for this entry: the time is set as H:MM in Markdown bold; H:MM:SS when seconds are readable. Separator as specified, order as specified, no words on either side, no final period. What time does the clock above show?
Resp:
**11:05:35**
